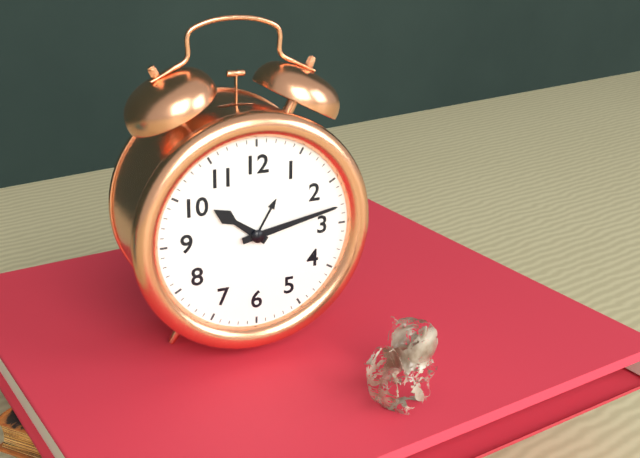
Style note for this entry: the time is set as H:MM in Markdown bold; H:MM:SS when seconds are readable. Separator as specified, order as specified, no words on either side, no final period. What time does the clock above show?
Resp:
**10:13**
